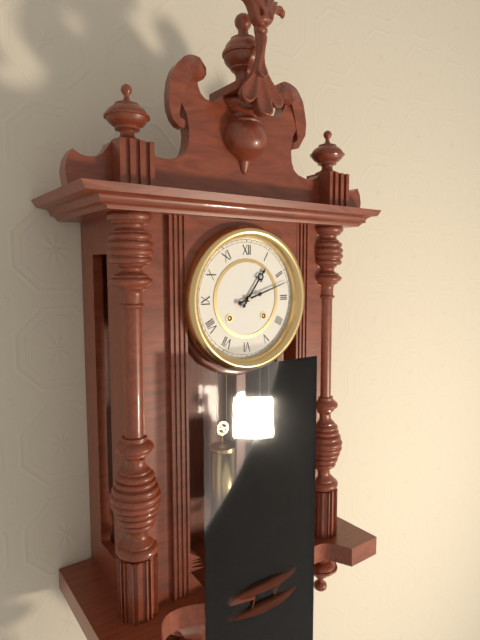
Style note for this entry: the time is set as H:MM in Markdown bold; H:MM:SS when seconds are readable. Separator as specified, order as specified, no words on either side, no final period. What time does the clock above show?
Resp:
**1:12**
